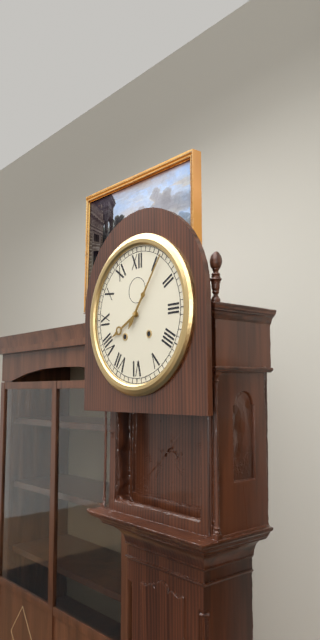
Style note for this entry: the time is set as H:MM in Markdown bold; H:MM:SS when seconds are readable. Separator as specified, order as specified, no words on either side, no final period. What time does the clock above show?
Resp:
**8:06**
